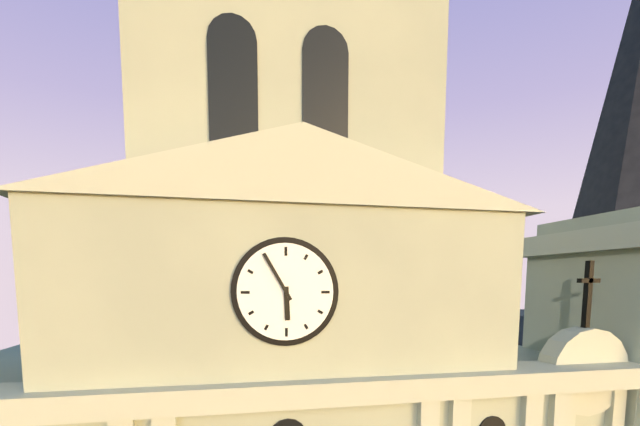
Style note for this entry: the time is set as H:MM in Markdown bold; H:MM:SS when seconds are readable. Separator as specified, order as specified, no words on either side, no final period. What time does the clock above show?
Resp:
**5:55**
